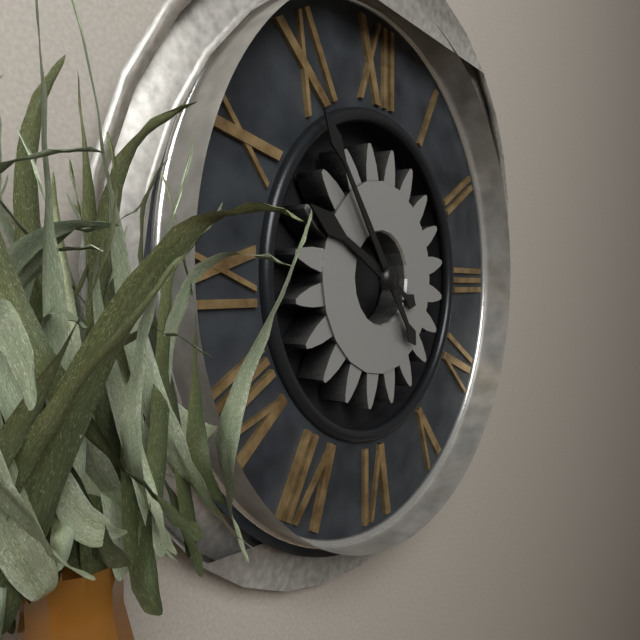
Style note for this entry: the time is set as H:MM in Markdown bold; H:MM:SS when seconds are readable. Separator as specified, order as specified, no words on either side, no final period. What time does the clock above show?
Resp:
**9:54**
